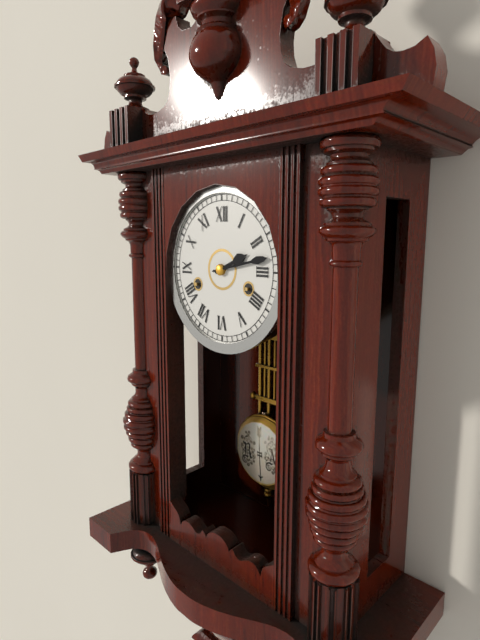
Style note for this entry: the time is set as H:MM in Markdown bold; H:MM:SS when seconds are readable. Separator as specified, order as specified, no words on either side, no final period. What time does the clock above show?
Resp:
**2:13**
